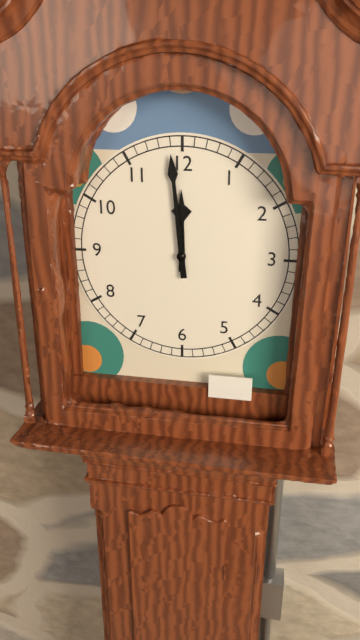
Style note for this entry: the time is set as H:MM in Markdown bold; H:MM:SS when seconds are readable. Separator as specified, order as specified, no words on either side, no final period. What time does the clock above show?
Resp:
**11:59**
